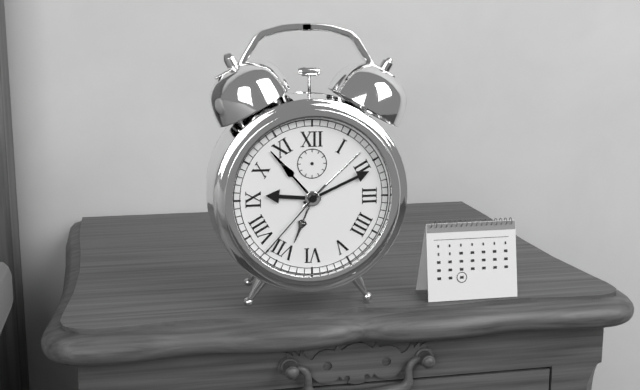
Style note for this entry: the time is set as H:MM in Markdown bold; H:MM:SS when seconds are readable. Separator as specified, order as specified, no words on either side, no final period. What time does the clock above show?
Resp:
**9:11:37**
